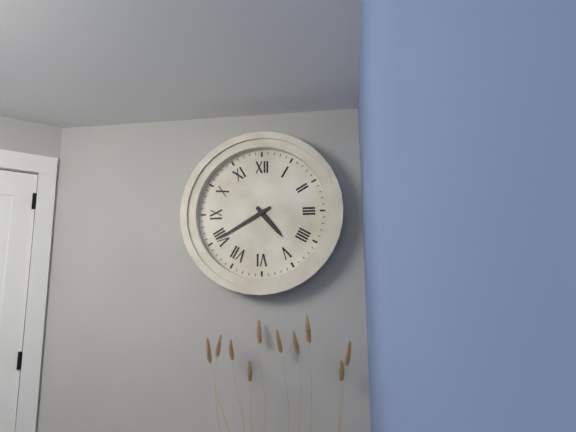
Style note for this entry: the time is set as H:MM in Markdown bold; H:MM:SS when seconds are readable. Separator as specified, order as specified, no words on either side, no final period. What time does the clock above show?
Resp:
**4:40**
